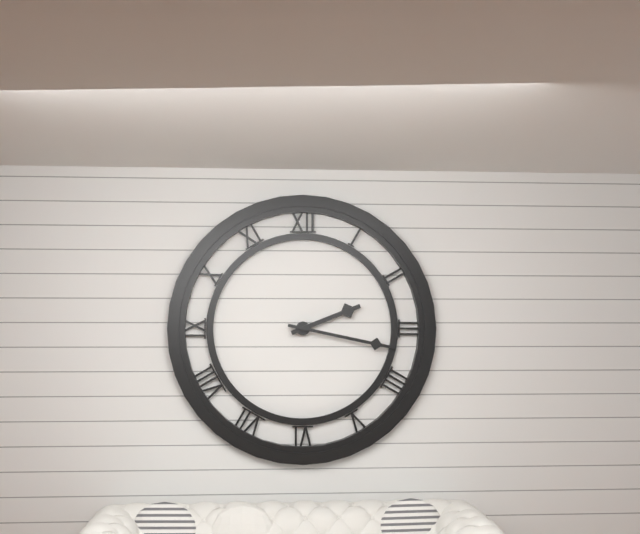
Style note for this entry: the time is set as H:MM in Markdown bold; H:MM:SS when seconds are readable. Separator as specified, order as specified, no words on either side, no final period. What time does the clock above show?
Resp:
**2:17**
